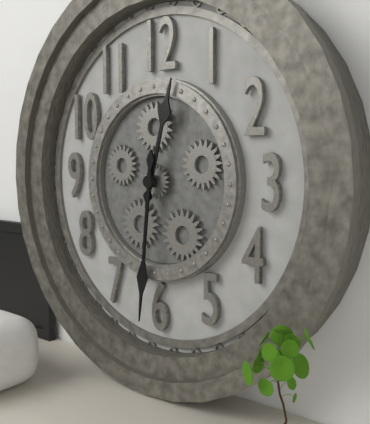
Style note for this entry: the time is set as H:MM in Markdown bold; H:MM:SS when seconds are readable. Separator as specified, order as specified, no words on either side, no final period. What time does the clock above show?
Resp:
**12:31**
